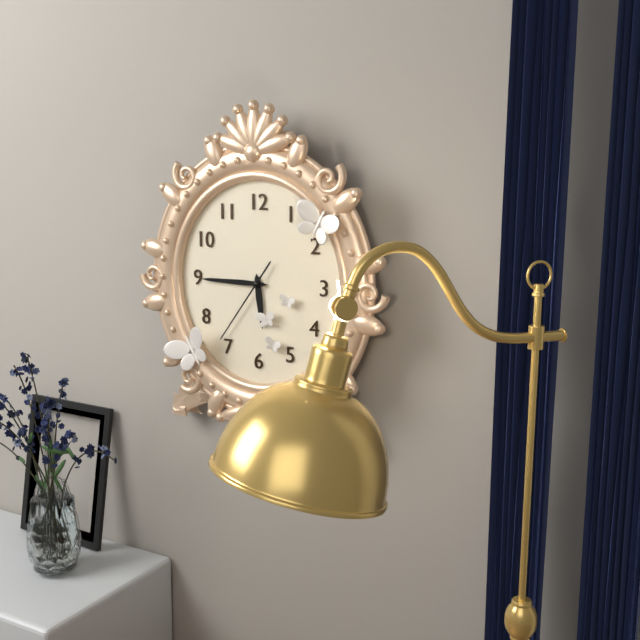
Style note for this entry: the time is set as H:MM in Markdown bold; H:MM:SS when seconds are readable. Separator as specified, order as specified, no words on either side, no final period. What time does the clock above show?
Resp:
**5:45:36**
